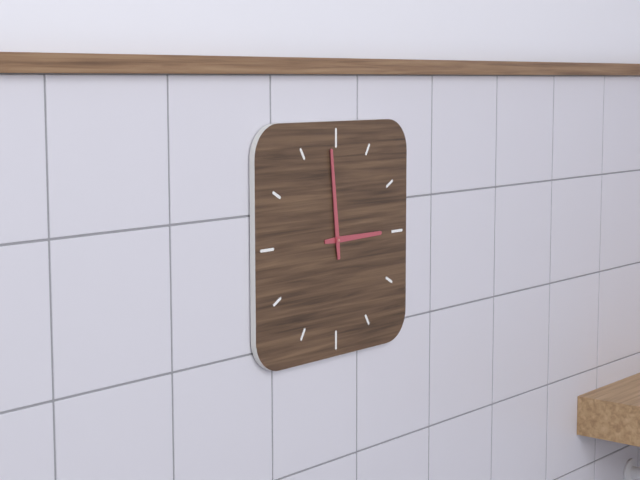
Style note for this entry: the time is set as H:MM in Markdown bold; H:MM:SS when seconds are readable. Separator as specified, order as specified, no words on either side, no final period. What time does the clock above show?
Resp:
**2:59**
